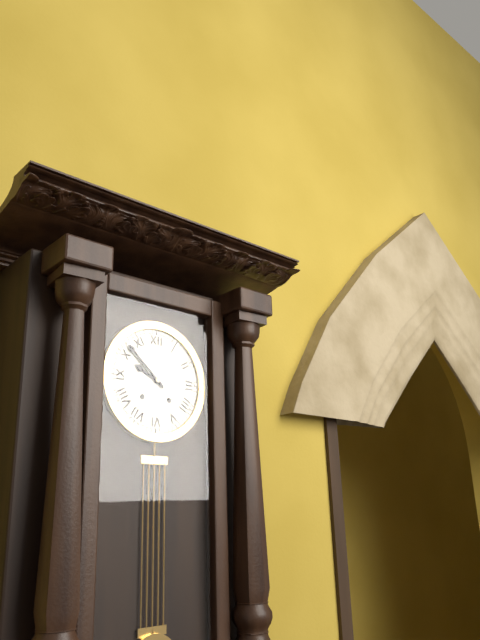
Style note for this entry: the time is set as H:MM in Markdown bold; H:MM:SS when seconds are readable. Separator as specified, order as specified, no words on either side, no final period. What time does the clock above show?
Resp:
**9:52**
